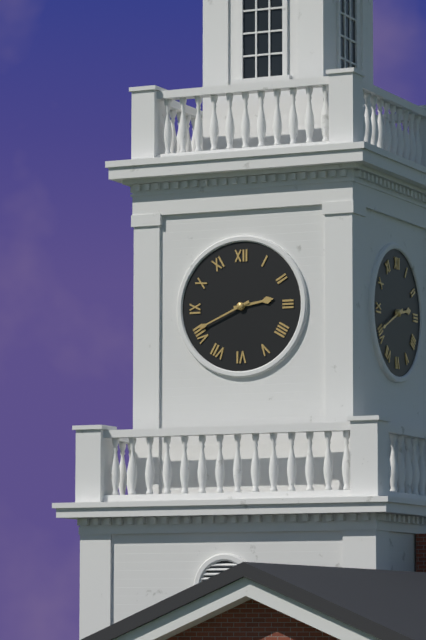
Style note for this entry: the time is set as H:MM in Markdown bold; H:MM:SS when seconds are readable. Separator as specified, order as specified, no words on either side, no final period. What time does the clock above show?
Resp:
**2:41**
